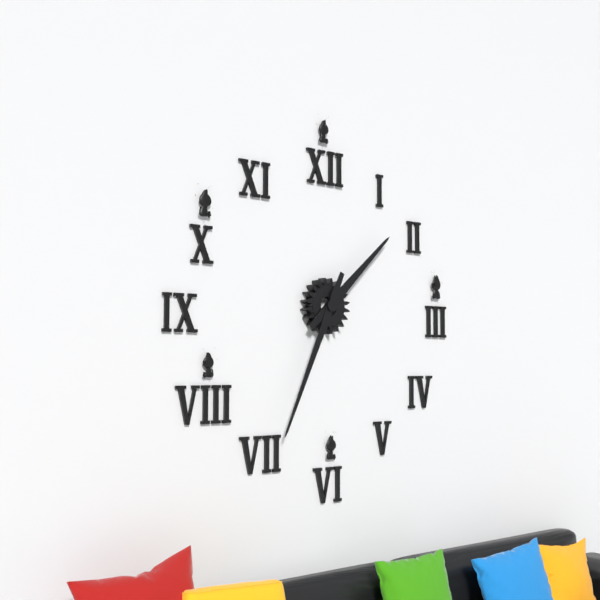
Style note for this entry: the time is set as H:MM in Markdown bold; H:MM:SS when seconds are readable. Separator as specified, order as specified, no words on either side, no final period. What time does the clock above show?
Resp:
**1:34**
